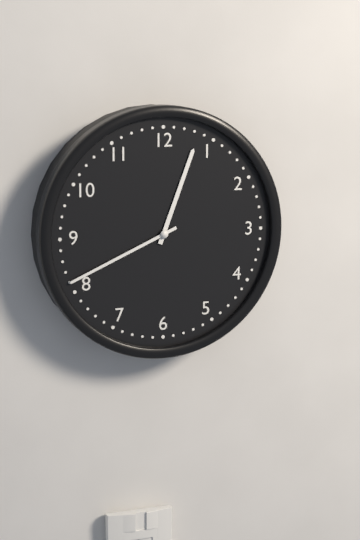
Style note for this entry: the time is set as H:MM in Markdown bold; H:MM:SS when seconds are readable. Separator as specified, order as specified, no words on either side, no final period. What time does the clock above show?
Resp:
**12:41**
